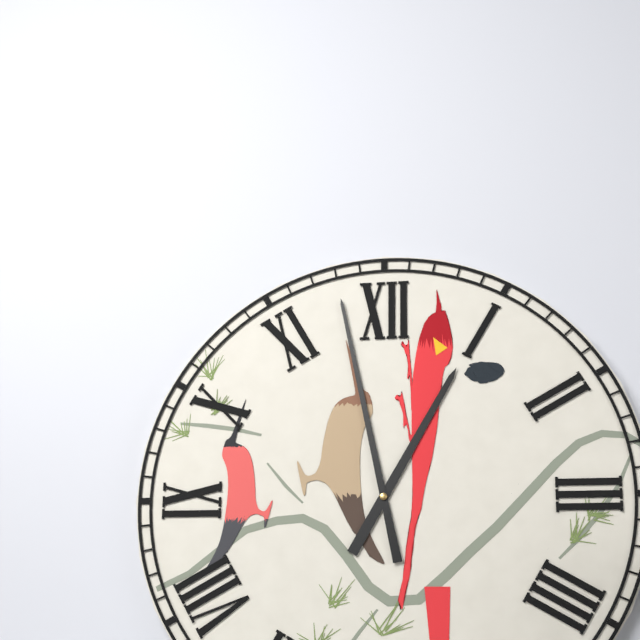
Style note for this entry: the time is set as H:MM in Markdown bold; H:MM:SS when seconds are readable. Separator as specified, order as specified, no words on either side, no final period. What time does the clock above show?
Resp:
**12:58**
